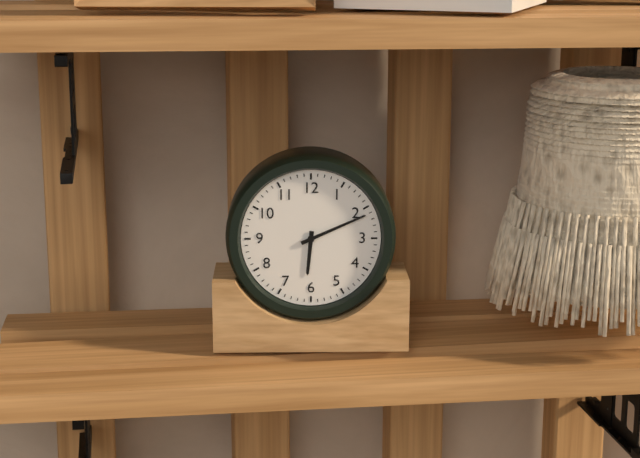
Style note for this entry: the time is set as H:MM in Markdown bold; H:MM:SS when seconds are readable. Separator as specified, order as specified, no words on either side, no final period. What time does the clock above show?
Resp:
**6:11**
